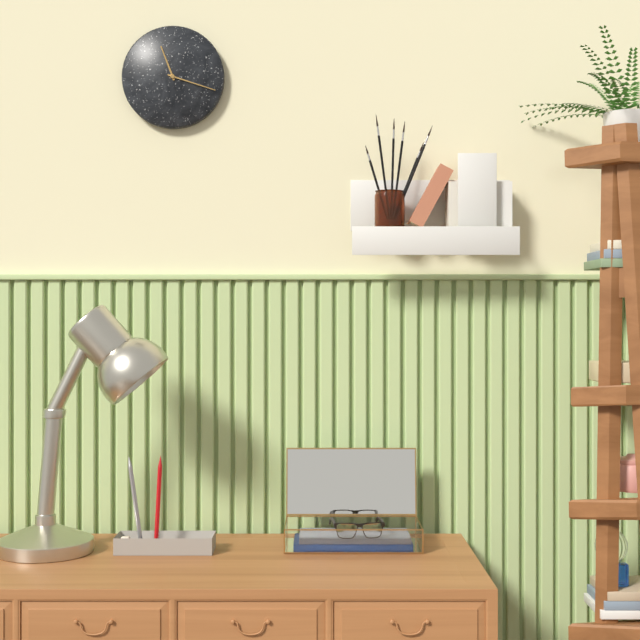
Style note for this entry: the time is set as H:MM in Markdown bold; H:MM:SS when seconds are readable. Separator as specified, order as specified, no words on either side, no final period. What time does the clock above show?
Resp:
**11:18**
